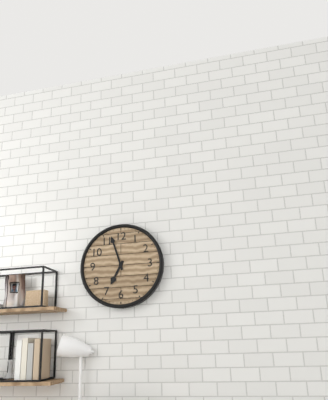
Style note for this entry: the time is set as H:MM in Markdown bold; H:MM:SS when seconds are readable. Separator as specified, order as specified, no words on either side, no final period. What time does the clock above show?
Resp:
**6:57**
